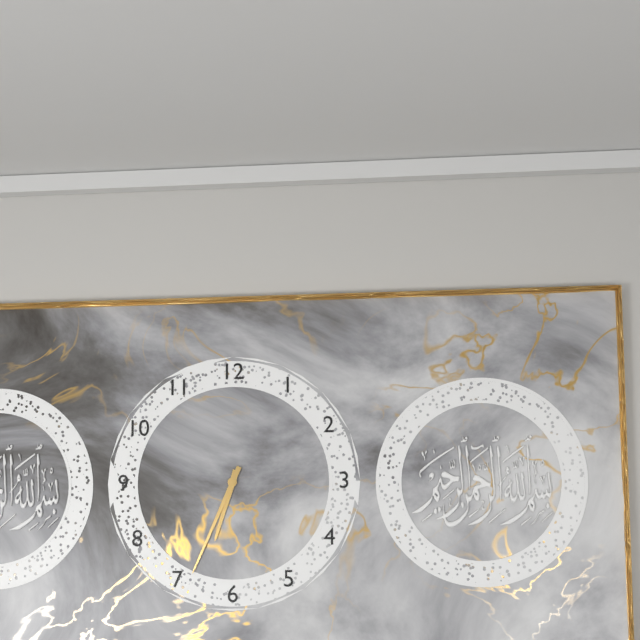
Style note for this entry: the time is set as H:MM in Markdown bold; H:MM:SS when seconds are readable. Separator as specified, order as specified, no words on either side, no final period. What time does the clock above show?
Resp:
**6:34**
